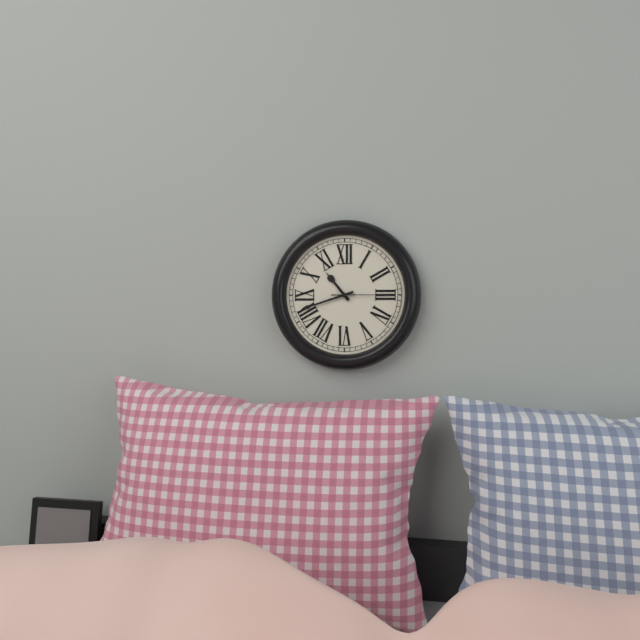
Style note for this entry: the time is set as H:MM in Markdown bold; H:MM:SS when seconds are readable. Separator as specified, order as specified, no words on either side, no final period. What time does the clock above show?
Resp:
**10:42:15**
